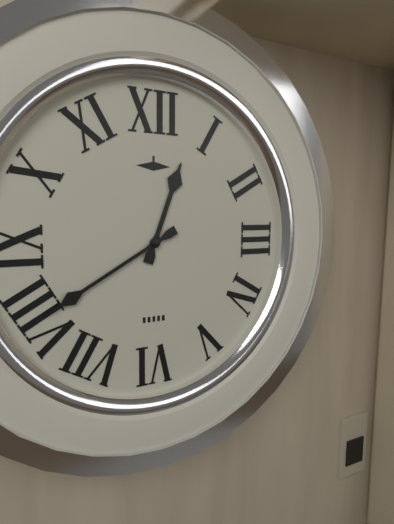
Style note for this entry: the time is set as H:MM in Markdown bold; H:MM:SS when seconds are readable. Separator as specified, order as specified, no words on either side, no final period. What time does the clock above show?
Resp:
**12:40**
